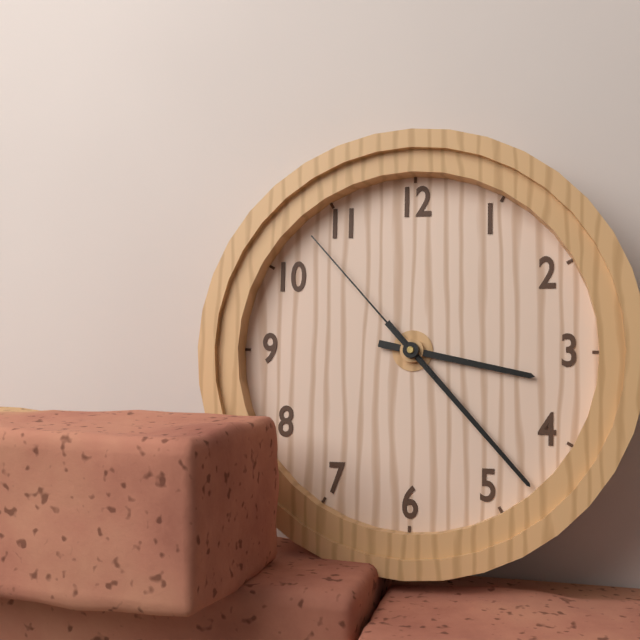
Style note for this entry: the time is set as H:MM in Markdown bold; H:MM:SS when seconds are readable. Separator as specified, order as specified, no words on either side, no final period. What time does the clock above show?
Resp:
**3:23:53**
